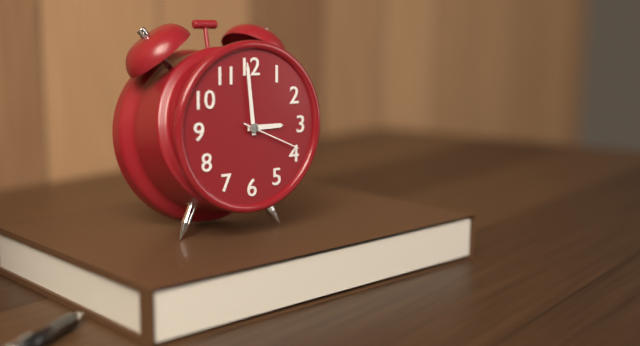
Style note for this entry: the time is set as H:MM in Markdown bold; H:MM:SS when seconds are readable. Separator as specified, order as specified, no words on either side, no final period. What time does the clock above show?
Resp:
**2:59:19**
